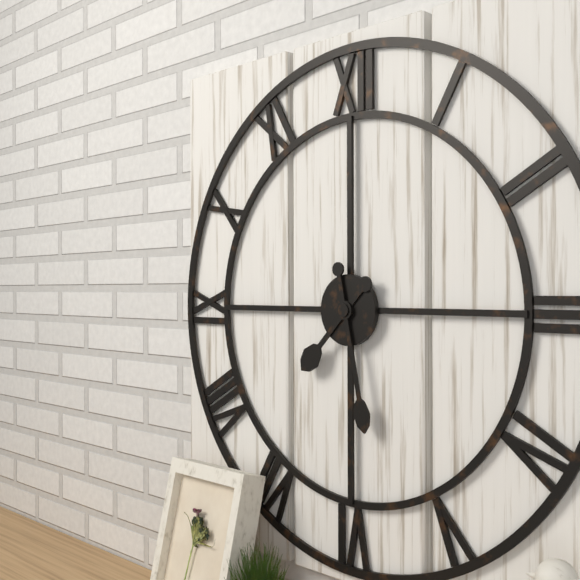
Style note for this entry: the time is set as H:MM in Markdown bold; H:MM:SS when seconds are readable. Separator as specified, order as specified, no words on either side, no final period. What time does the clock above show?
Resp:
**7:28**
